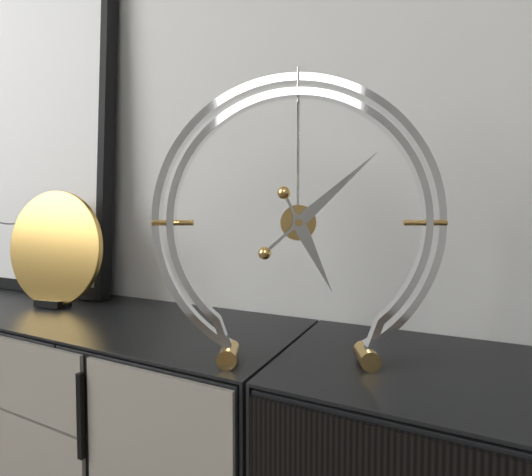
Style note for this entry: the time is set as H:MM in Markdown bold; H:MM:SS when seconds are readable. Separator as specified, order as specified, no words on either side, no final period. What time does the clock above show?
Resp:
**5:08**
